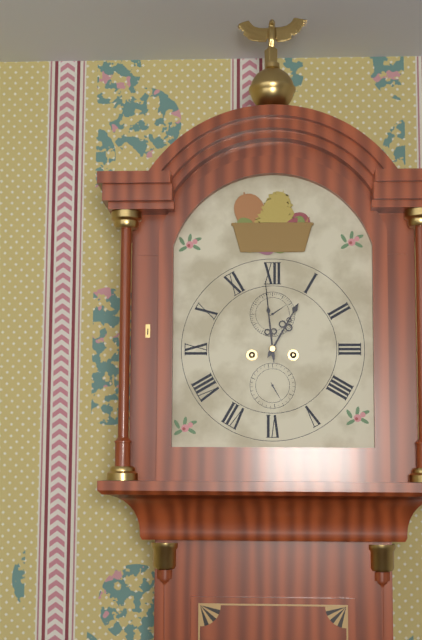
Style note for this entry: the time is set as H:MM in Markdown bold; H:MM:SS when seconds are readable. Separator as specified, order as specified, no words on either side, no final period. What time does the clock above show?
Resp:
**12:59**
